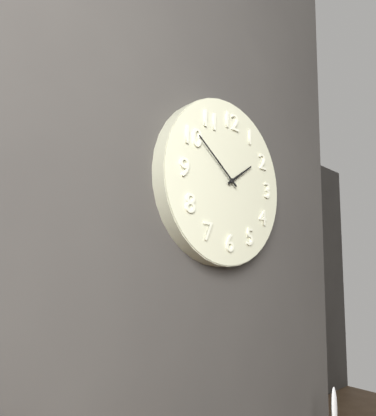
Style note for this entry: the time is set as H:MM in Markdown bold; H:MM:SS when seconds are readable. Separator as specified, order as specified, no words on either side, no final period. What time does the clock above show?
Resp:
**1:51**
